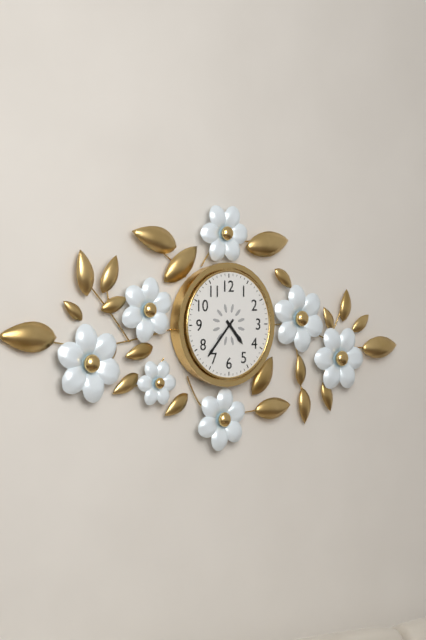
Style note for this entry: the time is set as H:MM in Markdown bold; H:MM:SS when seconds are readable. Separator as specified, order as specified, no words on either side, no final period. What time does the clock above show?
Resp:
**4:37**
